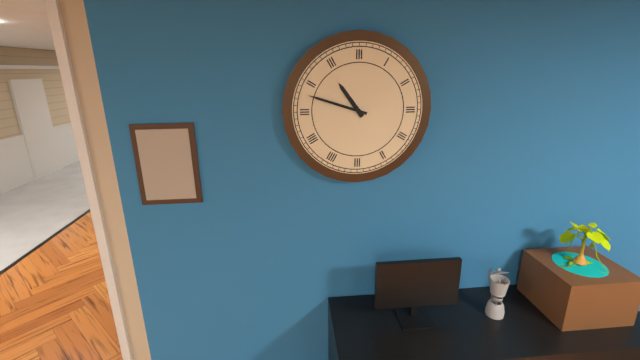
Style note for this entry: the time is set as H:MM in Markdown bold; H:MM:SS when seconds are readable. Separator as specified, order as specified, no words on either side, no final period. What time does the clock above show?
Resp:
**10:48**
